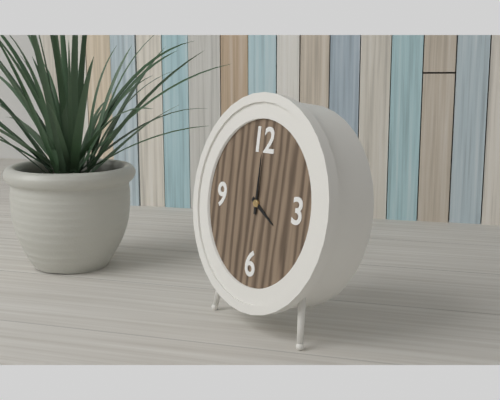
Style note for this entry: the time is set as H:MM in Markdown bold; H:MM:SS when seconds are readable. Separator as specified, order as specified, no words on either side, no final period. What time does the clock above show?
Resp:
**4:00**
